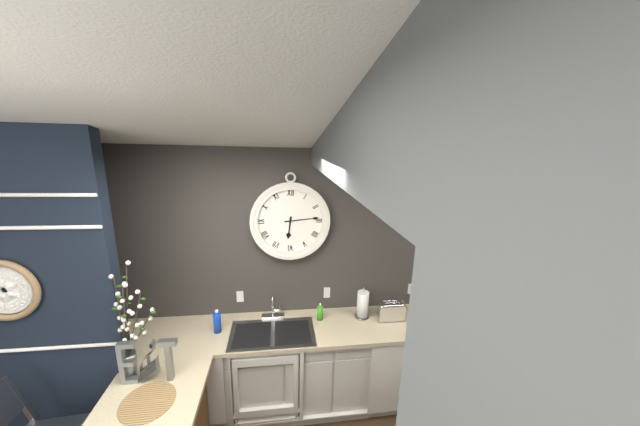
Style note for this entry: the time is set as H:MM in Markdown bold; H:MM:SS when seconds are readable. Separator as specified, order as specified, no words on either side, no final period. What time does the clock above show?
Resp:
**6:14**
